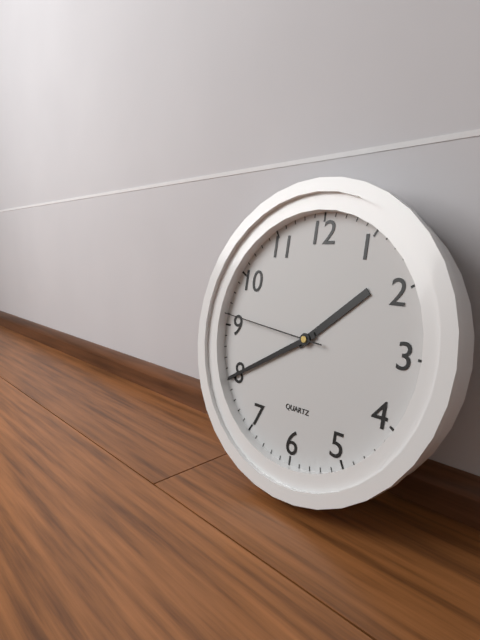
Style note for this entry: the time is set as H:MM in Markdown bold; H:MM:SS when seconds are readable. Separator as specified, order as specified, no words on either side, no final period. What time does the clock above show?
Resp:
**1:40:46**
